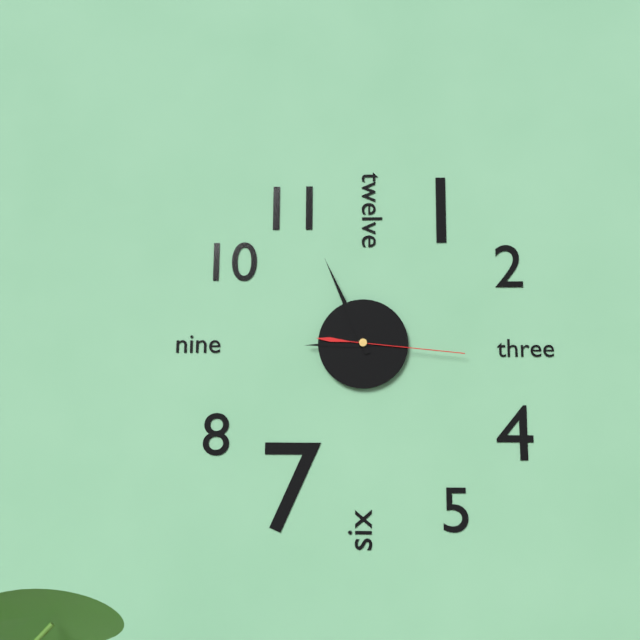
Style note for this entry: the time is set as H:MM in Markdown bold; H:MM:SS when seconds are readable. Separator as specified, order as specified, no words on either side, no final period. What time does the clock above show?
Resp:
**8:56:16**
